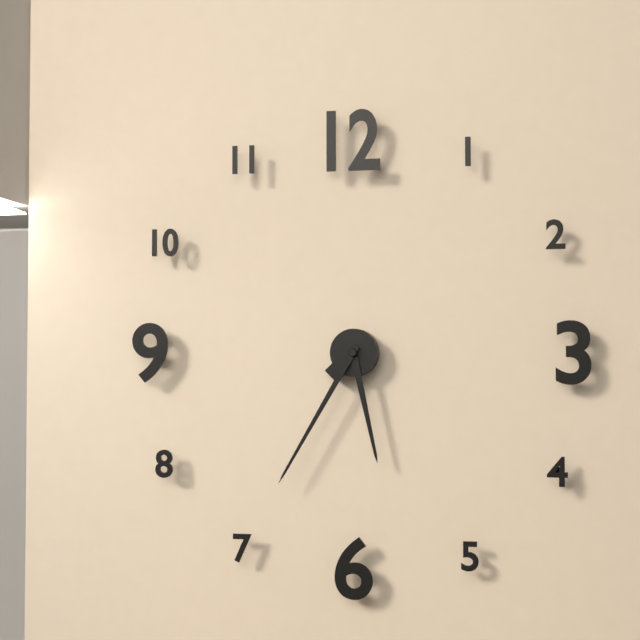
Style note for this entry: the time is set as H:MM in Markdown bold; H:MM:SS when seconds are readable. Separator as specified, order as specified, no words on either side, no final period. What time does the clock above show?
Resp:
**5:35**
